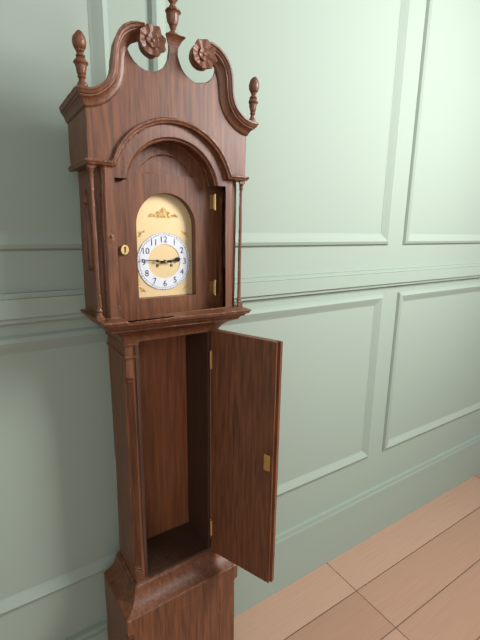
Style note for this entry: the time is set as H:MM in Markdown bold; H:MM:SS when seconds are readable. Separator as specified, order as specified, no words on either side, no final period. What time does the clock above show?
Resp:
**2:46**
